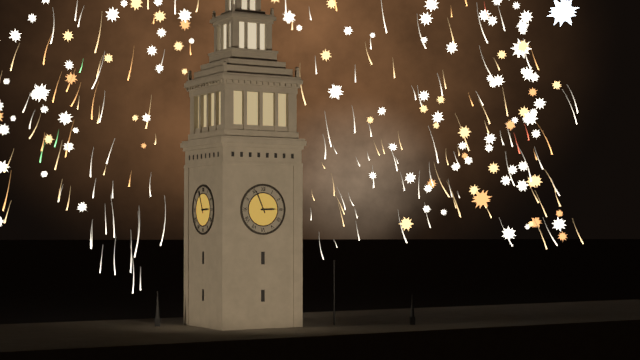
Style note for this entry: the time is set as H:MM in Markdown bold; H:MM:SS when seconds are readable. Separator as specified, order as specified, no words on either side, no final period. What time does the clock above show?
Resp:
**2:56**
